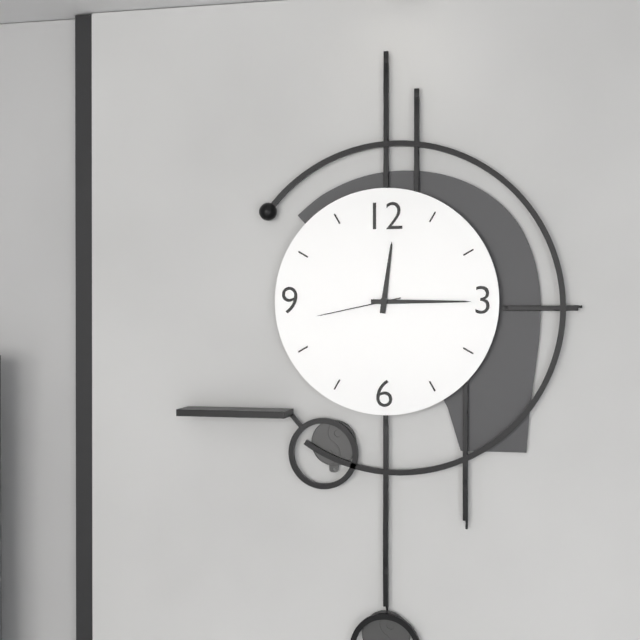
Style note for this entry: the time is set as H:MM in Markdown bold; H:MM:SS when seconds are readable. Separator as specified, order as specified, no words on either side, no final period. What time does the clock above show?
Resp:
**12:15:43**
